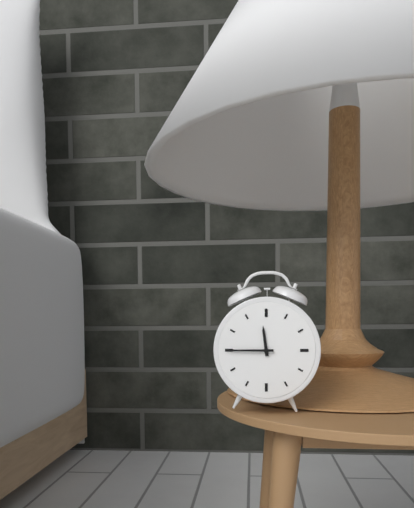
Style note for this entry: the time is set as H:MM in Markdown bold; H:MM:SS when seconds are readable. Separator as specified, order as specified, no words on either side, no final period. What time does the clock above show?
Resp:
**11:45**
